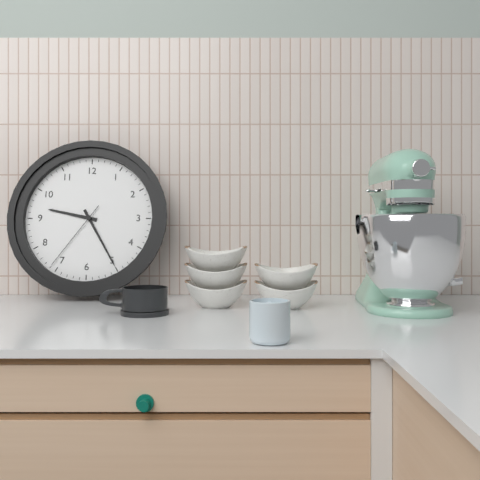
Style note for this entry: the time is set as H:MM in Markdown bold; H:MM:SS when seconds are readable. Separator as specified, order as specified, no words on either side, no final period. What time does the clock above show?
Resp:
**9:25:36**
